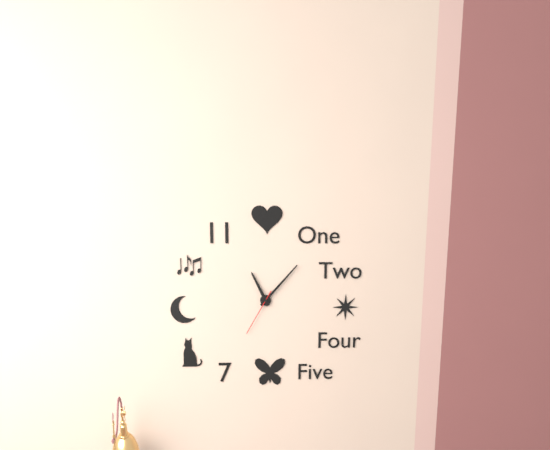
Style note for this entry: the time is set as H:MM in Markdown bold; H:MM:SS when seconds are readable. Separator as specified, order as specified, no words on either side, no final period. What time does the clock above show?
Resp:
**11:07**
